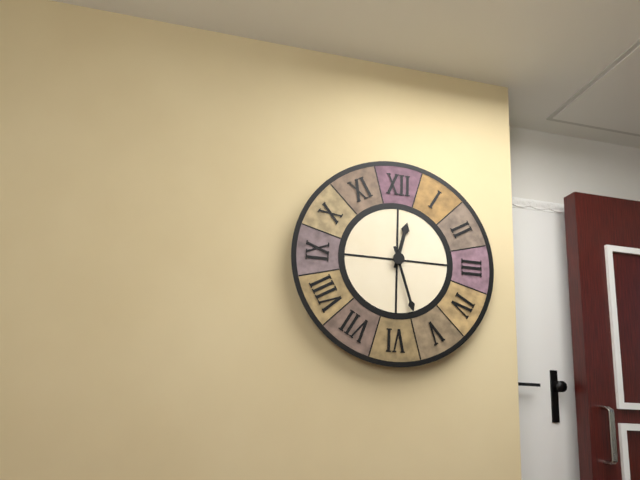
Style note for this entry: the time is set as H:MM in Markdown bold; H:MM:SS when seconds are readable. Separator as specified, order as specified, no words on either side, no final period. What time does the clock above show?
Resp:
**12:27**
